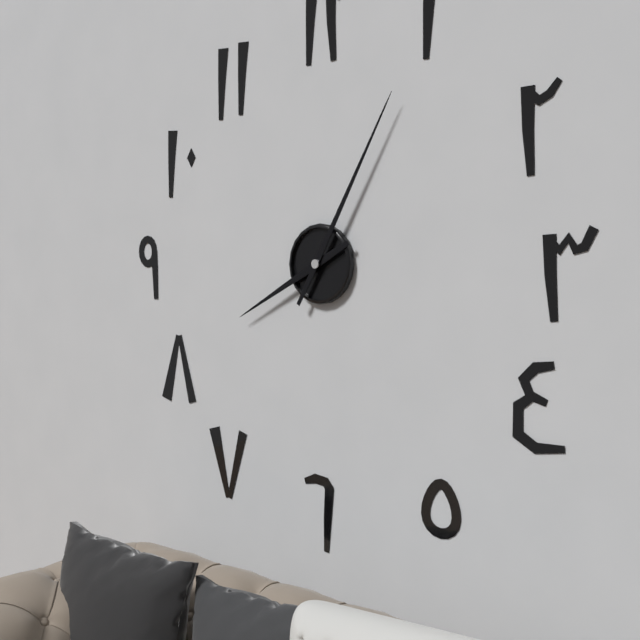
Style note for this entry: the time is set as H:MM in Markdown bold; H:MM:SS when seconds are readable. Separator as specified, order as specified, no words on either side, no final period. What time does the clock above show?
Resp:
**8:05**
